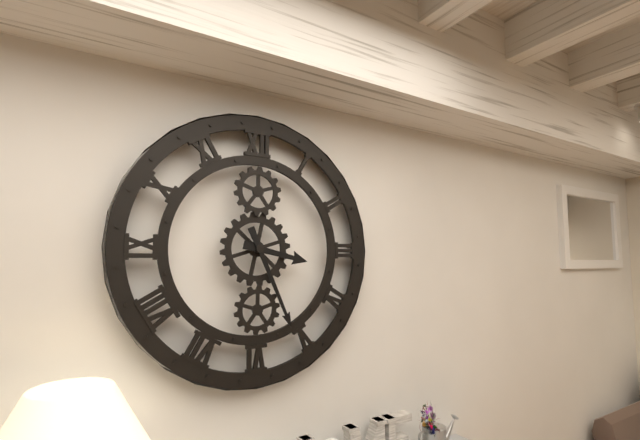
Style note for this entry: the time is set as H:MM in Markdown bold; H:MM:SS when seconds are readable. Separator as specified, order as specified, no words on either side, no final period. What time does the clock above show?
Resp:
**3:26**
